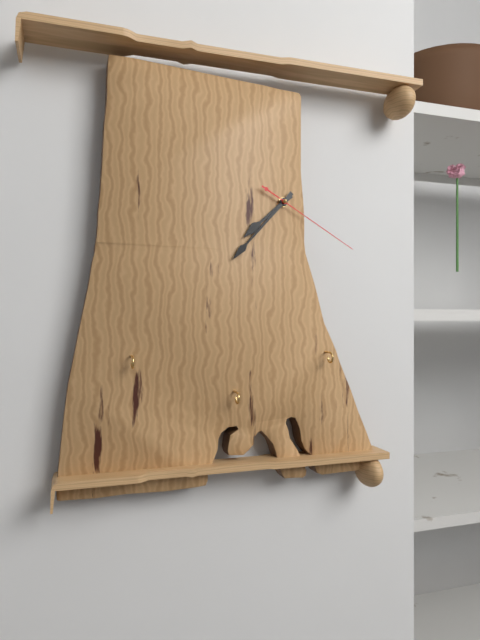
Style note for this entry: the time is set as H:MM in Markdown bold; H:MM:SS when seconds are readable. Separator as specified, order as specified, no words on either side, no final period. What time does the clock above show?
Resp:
**7:37:20**
